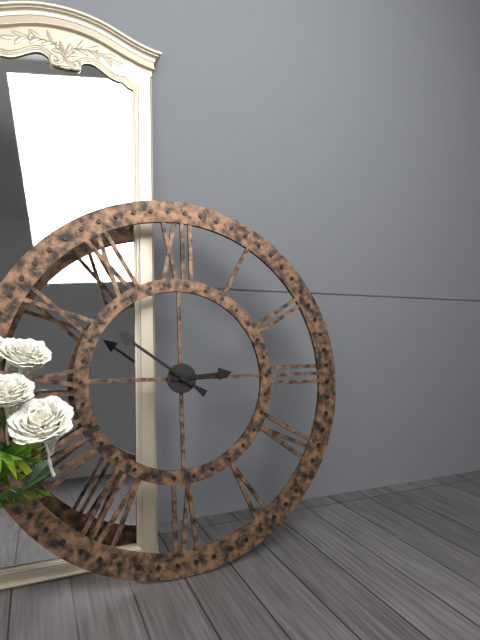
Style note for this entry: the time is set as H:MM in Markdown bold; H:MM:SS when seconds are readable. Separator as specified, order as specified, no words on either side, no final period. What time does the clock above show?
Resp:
**2:51**
